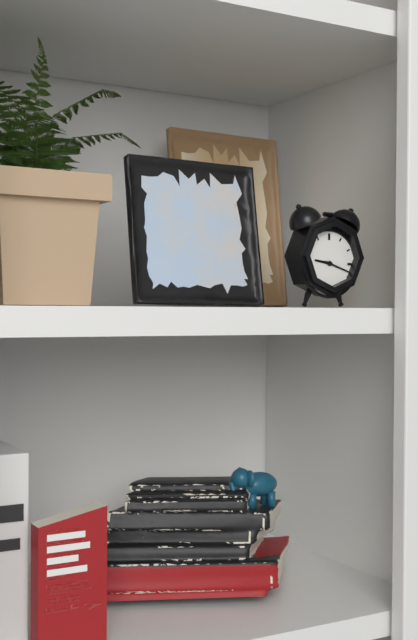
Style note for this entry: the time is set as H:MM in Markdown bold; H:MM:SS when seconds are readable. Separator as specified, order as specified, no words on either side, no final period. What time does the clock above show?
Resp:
**9:18**
